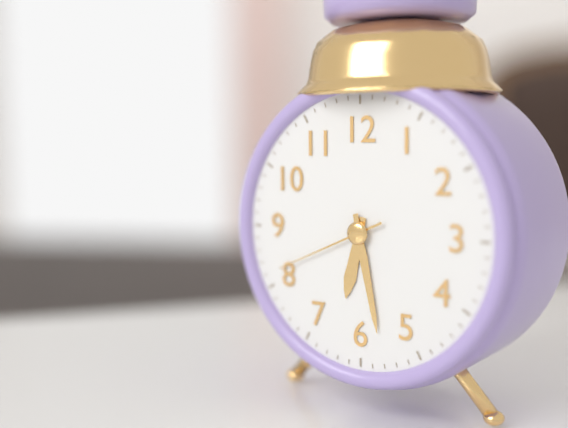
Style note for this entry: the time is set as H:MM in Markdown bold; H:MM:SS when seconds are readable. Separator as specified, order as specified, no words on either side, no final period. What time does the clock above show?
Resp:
**6:28:41**
